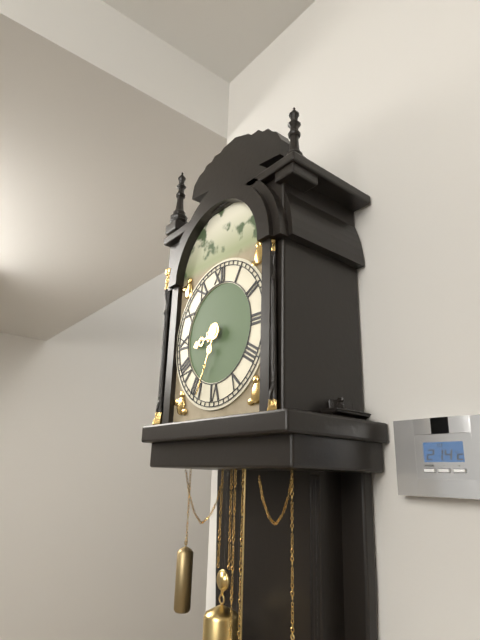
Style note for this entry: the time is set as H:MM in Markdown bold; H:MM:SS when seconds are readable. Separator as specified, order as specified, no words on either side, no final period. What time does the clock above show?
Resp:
**8:34**
